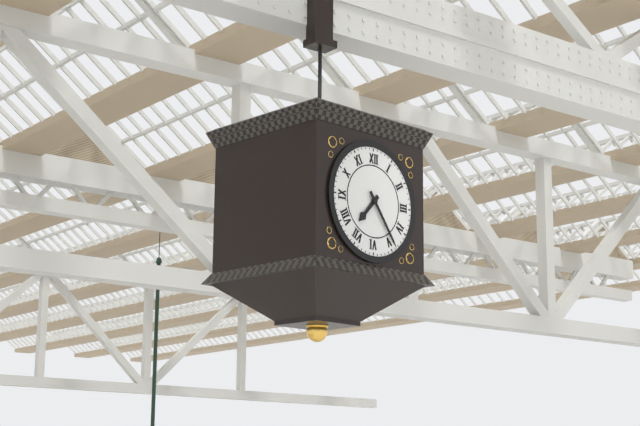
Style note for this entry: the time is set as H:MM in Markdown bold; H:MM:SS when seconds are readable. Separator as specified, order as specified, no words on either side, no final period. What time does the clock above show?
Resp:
**7:24**
